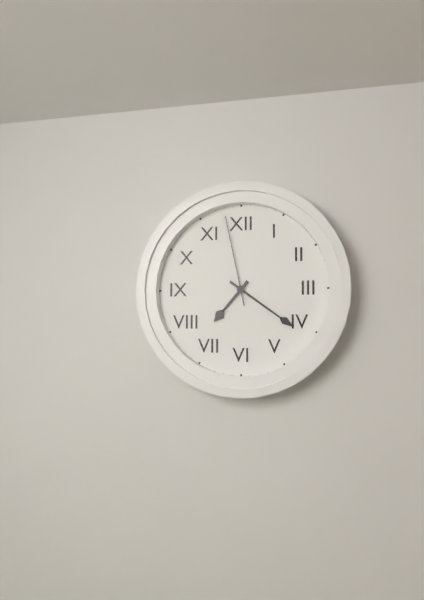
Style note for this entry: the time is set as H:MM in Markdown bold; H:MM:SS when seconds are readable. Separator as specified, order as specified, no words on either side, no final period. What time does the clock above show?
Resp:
**7:21:58**
